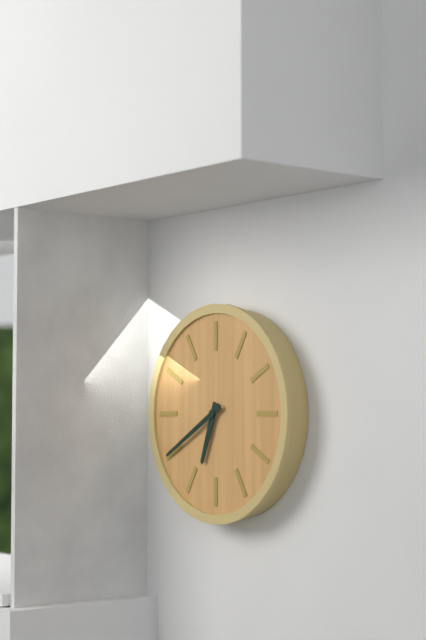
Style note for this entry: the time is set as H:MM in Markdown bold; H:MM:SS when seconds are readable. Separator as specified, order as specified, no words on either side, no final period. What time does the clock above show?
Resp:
**6:40**
